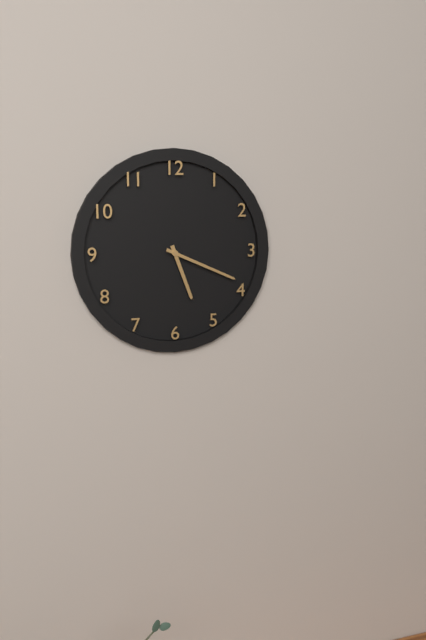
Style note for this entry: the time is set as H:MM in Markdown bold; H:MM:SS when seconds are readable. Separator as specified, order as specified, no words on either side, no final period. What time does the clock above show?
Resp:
**5:19**
